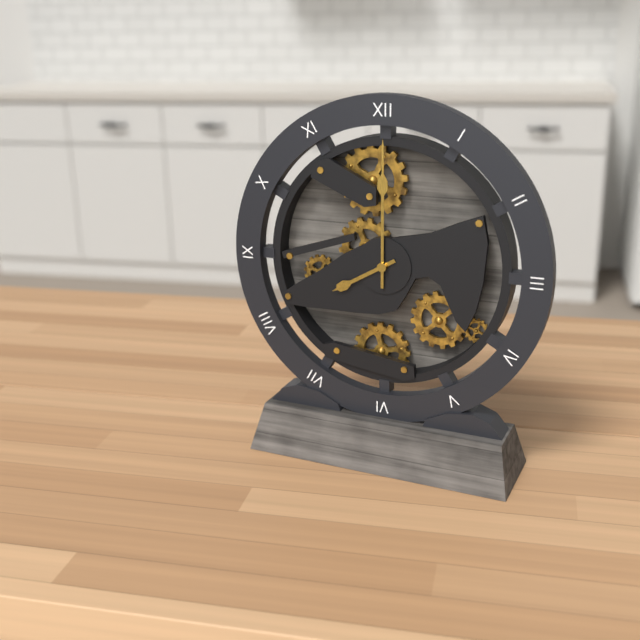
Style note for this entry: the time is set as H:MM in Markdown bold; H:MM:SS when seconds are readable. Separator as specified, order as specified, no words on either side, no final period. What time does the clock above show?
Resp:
**8:00**
